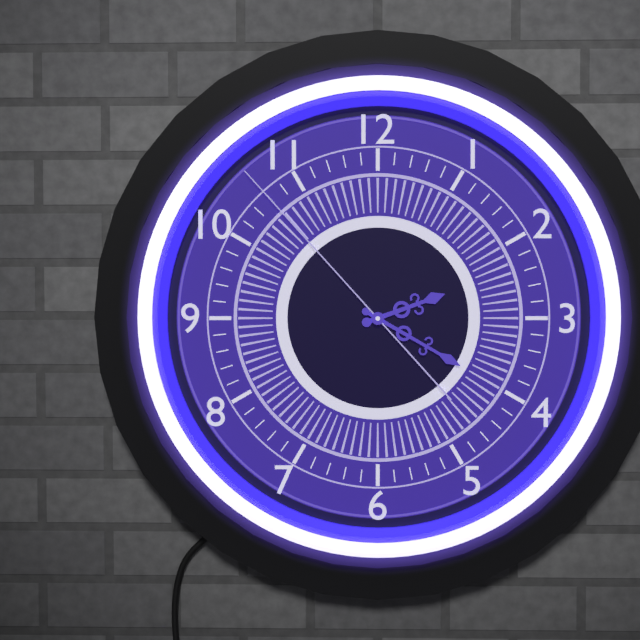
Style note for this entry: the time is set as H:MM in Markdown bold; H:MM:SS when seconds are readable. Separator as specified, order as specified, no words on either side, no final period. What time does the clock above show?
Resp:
**2:20:53**
